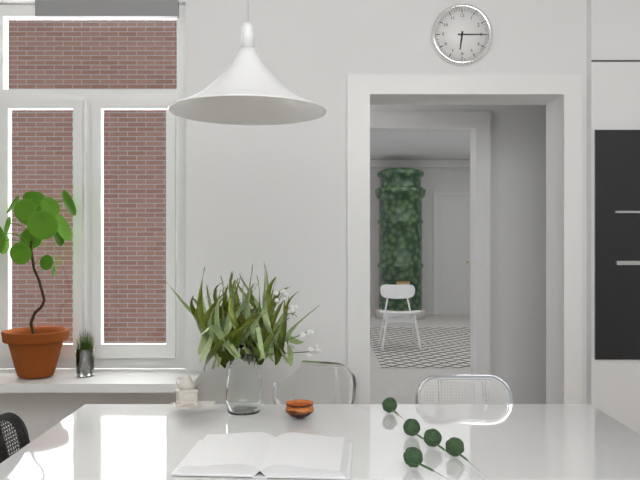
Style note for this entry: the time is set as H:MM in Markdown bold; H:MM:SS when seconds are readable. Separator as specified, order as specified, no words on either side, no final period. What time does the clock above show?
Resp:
**6:15**
